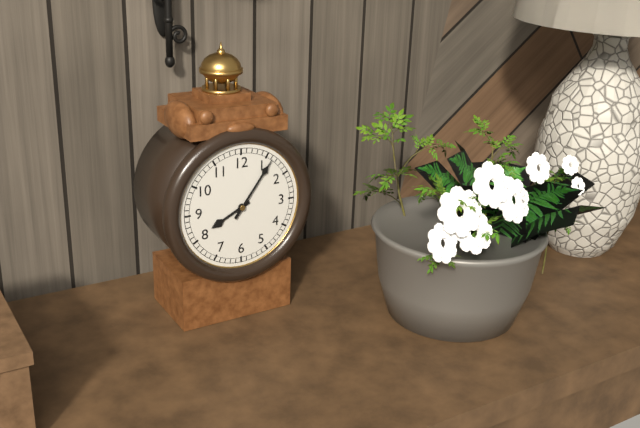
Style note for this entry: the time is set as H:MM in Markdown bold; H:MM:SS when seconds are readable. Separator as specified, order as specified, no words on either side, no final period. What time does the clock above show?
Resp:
**8:06**
